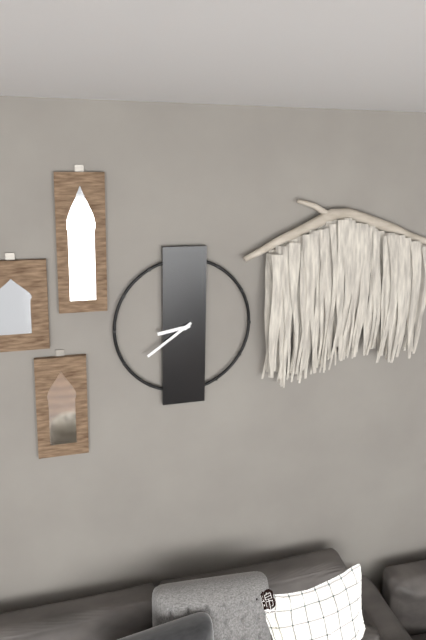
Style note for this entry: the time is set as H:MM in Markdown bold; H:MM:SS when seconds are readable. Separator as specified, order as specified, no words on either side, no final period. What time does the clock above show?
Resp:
**8:39**
